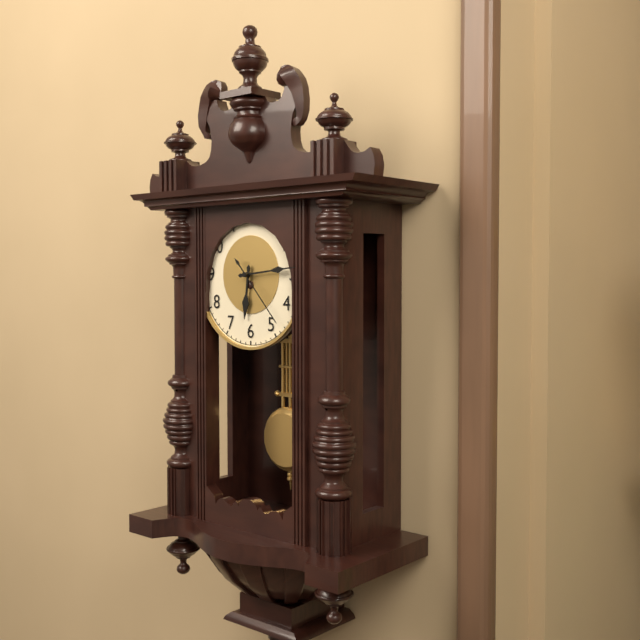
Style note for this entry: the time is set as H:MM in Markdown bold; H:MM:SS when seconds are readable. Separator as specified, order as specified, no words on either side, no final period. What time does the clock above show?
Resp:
**6:14:23**
